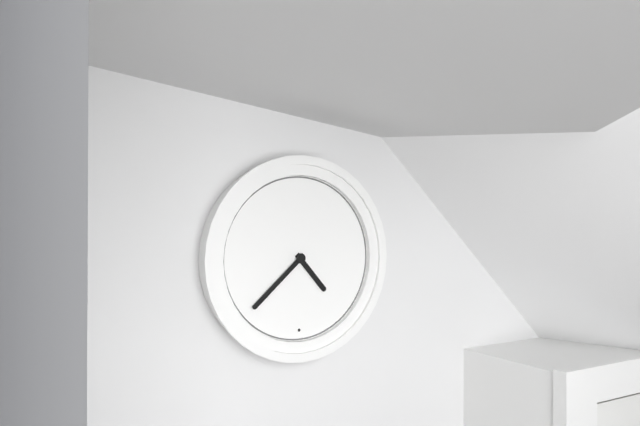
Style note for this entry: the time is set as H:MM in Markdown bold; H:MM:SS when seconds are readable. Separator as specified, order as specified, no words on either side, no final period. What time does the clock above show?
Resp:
**4:38**
